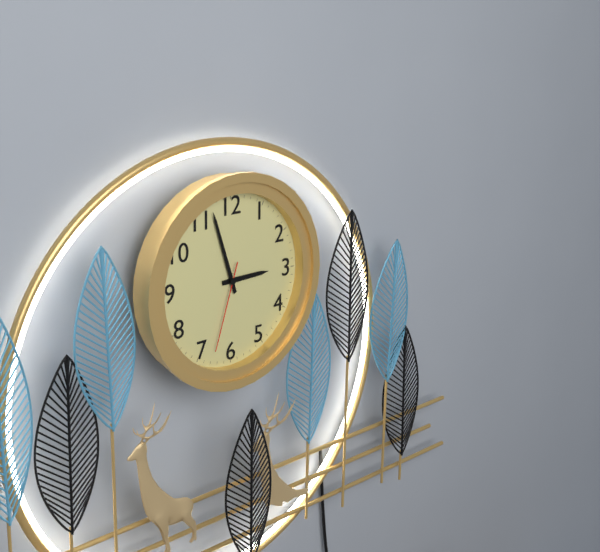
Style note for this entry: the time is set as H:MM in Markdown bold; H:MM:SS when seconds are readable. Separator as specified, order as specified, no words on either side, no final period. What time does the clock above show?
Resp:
**2:57:33**
